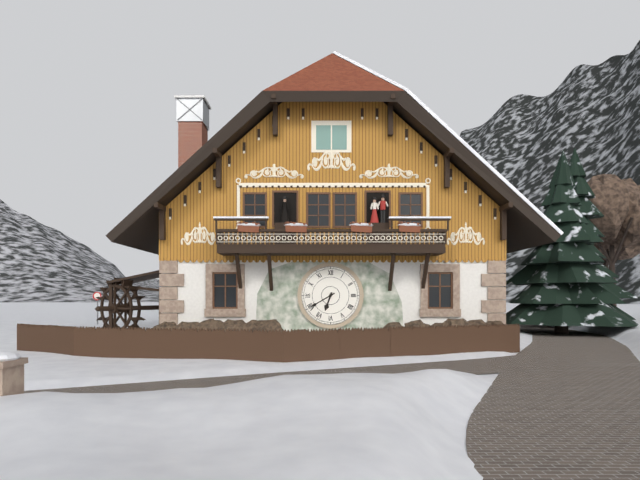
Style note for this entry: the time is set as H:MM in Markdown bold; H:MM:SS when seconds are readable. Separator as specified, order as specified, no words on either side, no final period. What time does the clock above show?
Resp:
**6:40**
